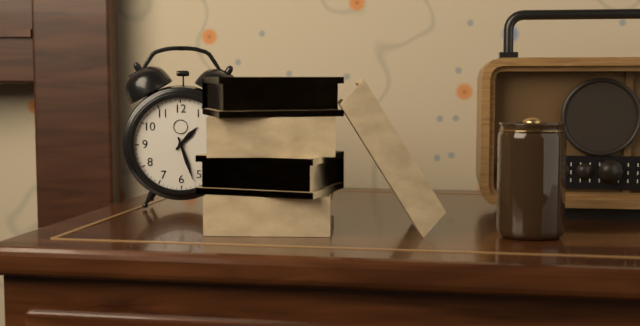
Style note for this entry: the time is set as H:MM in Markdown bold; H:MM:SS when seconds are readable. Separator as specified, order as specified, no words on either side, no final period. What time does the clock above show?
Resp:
**1:27**
